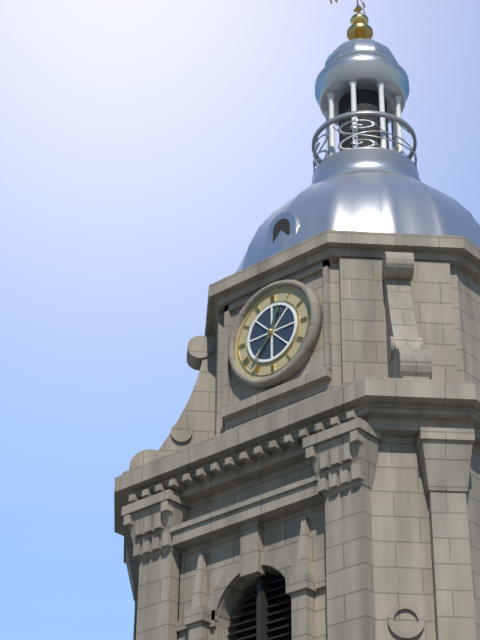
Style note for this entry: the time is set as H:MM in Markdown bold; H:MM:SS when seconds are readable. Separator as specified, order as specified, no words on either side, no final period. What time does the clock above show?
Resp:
**12:36**
